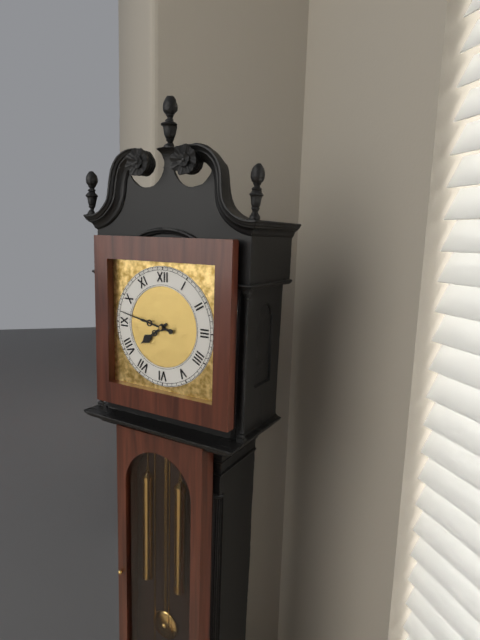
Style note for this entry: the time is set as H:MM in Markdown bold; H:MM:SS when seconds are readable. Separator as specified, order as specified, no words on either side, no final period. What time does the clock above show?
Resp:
**7:47**
